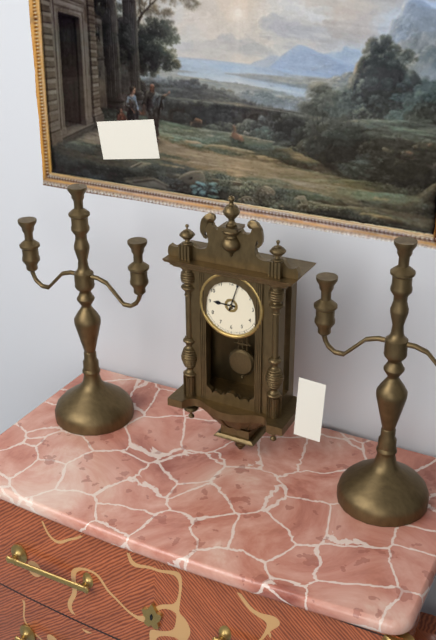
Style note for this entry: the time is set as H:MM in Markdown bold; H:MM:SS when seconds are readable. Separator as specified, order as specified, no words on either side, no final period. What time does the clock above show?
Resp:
**9:03**
